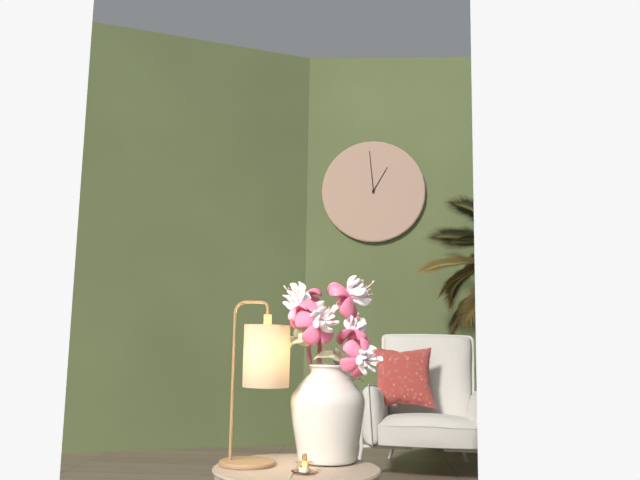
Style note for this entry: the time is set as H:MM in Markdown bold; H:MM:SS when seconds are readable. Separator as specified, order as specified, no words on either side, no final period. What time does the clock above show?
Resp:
**12:59**
